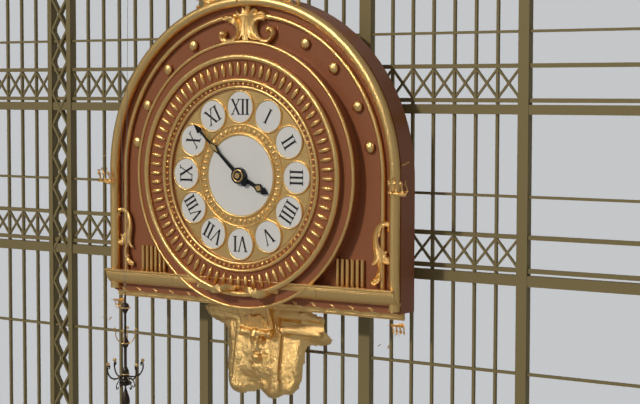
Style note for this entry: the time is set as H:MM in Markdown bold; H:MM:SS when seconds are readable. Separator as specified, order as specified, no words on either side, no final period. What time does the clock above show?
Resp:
**3:52**
